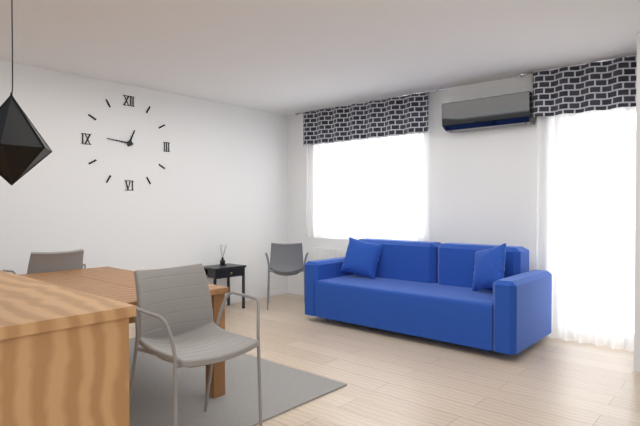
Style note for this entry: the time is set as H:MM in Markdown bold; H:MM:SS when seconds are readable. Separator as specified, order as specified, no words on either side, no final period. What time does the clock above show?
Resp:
**12:46**
